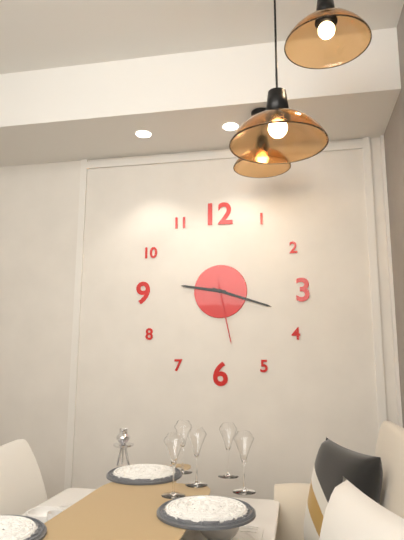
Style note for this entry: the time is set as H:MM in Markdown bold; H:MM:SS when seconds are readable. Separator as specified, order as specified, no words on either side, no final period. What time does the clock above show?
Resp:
**9:18:28**
